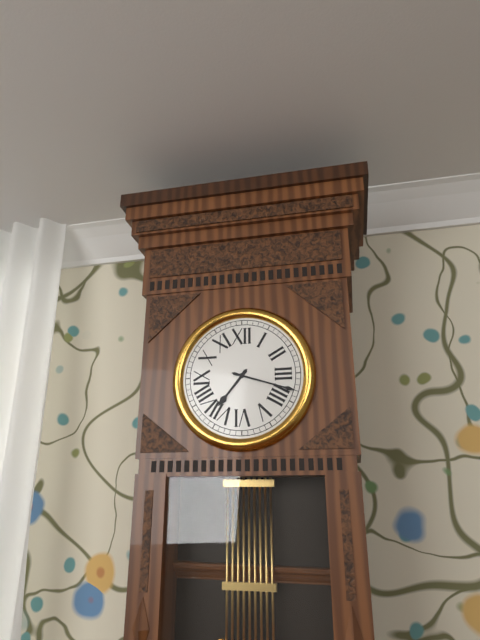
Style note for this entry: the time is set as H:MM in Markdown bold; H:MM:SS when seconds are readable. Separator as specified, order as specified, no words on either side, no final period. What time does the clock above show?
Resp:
**7:18**
